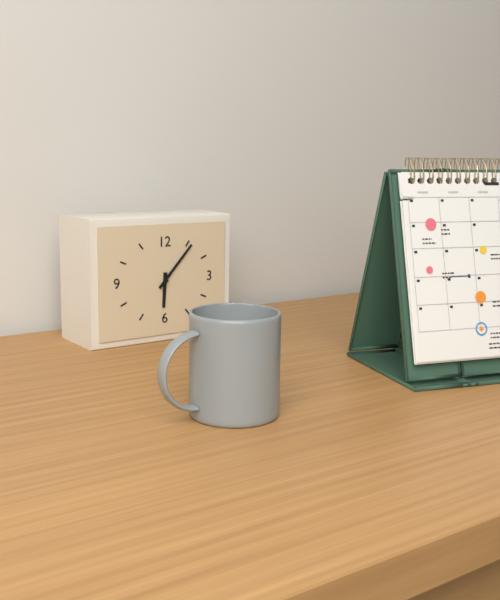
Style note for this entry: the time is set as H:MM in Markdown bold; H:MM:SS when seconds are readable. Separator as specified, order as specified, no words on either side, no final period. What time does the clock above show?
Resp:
**6:07**
